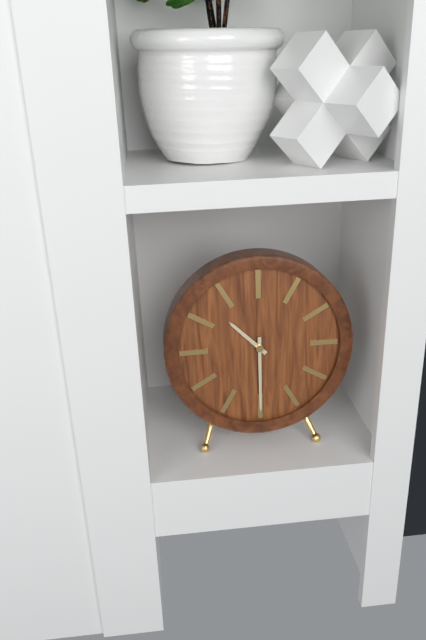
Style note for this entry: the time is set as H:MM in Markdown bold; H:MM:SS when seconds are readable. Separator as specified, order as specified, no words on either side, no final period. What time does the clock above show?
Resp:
**10:30**
